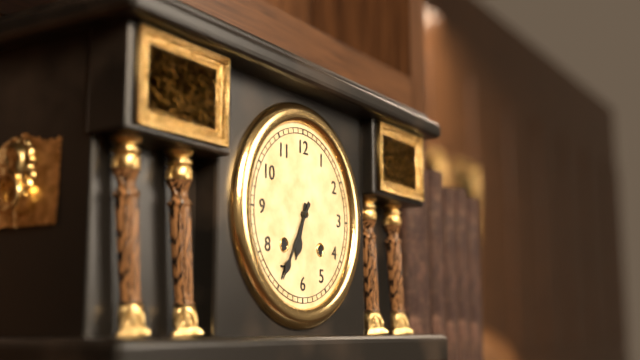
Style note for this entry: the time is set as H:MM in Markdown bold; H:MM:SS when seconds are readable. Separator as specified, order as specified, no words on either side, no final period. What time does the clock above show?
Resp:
**6:35**
